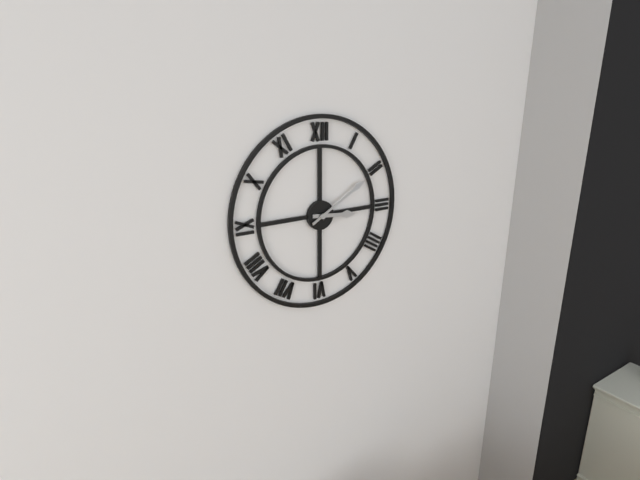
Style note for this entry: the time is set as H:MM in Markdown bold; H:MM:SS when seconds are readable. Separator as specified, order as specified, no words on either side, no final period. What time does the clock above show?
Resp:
**3:10**
